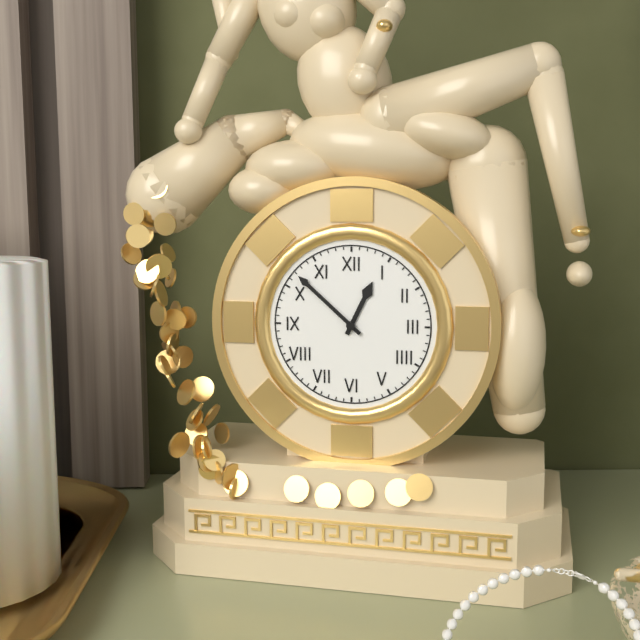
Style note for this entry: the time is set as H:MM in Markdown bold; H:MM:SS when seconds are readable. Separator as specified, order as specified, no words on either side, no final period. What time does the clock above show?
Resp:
**12:52**
